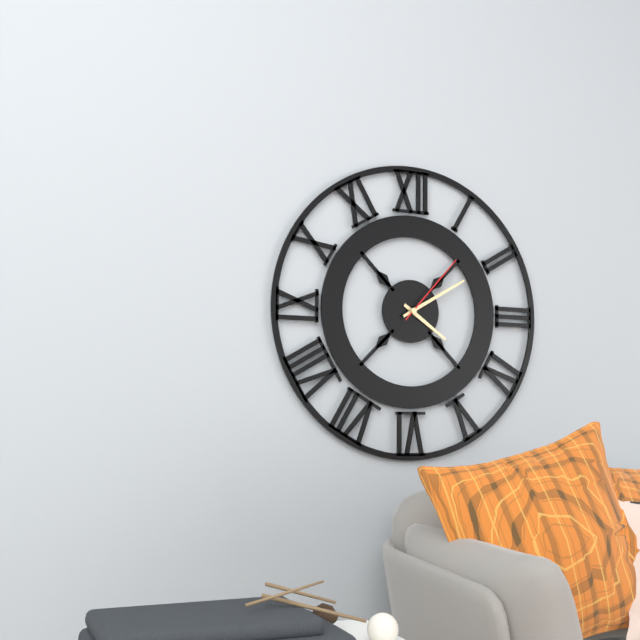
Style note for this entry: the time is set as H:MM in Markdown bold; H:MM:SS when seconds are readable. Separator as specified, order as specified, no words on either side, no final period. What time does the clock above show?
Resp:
**4:10:07**
